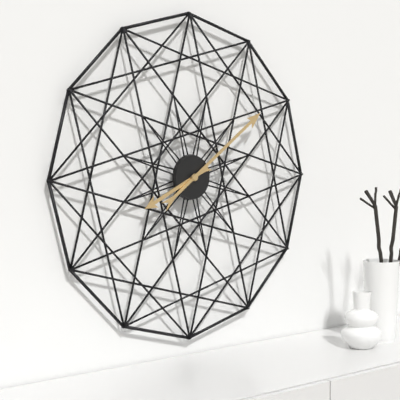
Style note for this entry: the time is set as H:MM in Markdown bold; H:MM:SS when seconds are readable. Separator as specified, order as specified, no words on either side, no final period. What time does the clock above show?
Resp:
**8:09**
